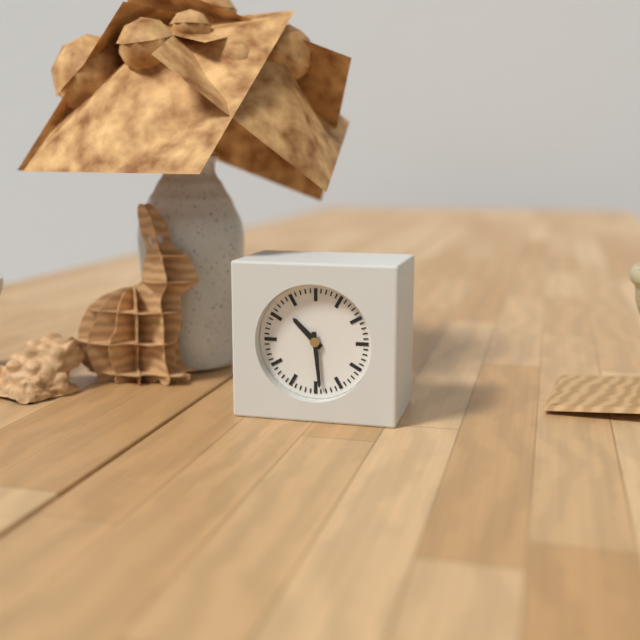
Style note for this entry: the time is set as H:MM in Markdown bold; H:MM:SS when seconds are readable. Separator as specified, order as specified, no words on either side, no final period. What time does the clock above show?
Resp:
**10:29**
